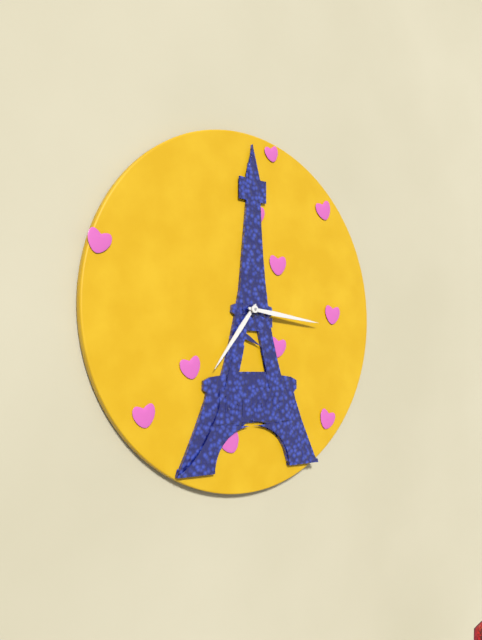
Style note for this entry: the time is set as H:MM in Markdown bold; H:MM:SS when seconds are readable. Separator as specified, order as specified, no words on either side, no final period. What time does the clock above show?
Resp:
**7:16**
